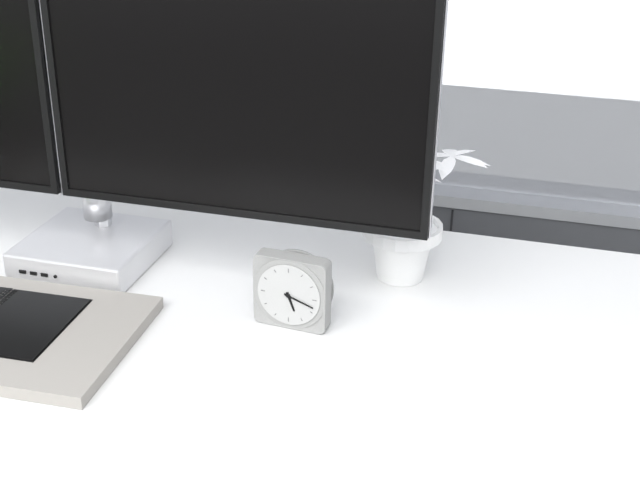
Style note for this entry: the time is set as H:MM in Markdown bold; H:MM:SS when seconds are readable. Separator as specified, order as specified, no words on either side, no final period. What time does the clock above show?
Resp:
**5:18**
